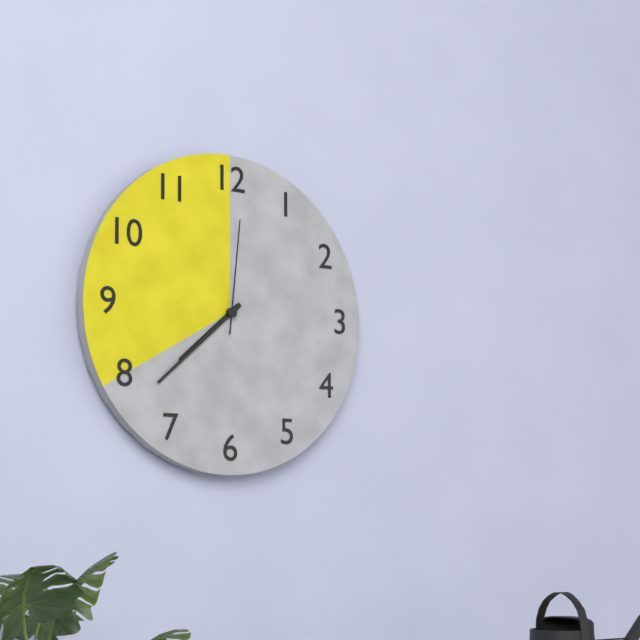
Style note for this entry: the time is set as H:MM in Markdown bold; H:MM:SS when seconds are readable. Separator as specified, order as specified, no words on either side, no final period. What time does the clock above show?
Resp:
**7:38:01**
